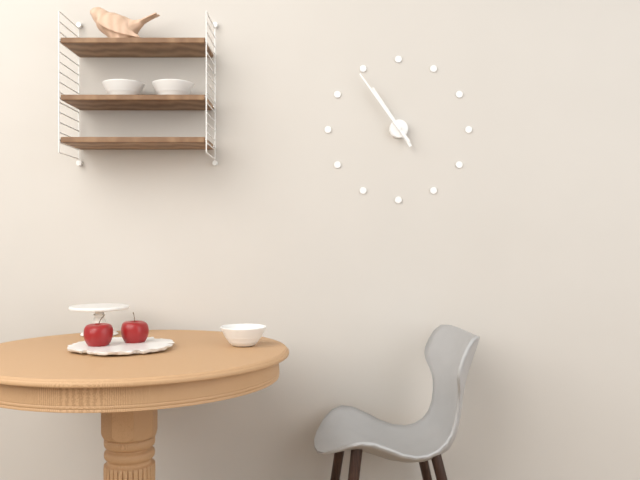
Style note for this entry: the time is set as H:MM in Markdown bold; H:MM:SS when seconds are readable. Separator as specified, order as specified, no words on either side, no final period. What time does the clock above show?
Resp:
**10:54**
